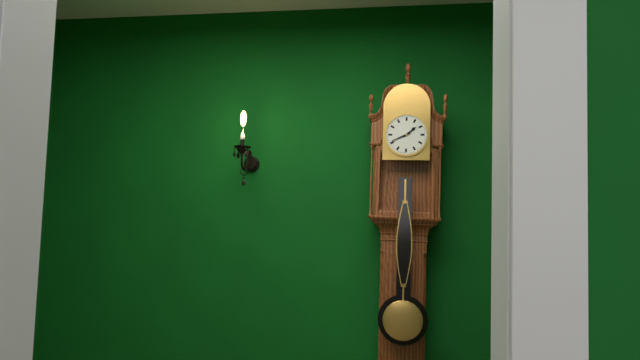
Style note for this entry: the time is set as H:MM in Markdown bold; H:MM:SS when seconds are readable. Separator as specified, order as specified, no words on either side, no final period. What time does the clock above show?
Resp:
**1:41**
